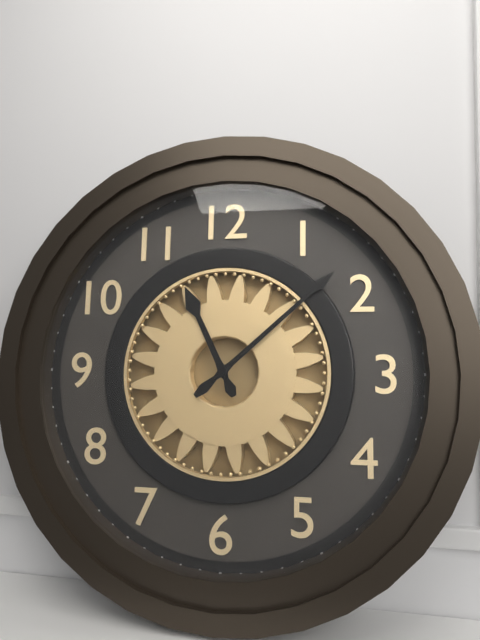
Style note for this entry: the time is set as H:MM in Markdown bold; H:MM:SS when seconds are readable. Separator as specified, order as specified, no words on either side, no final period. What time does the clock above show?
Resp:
**11:08**
